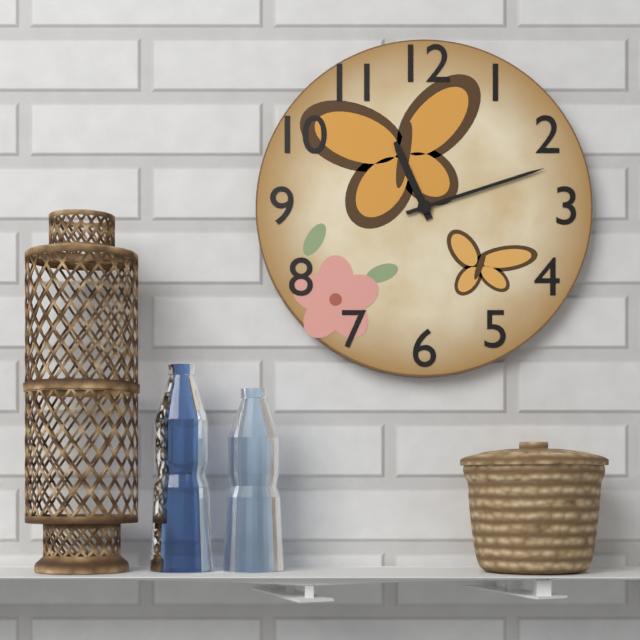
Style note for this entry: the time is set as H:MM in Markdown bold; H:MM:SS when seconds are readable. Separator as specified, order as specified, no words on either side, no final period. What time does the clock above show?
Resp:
**11:12**
